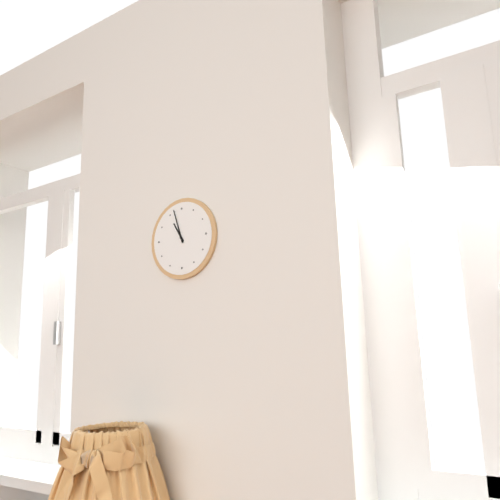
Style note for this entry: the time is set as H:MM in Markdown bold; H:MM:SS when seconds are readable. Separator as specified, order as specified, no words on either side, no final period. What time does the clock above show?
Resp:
**10:57**
